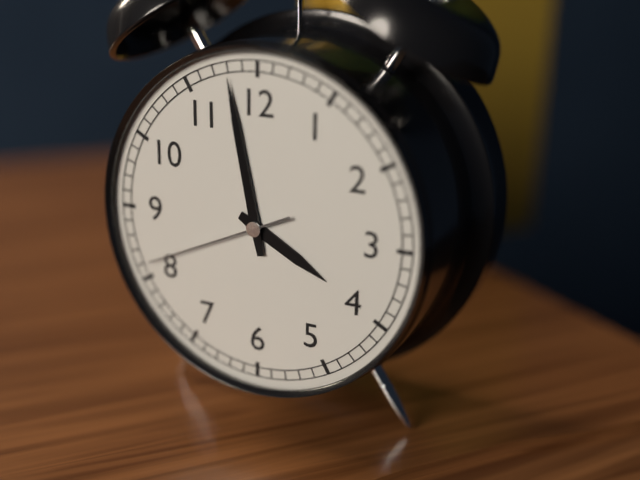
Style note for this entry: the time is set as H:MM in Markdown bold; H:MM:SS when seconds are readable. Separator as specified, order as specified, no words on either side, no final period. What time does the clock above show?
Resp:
**3:58:41**
